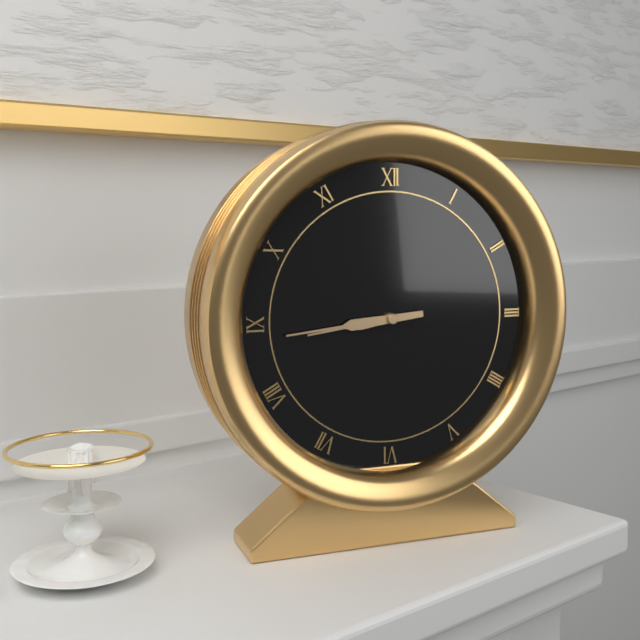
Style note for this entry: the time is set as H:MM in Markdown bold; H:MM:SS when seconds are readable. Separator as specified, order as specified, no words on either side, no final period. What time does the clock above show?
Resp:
**8:44**
